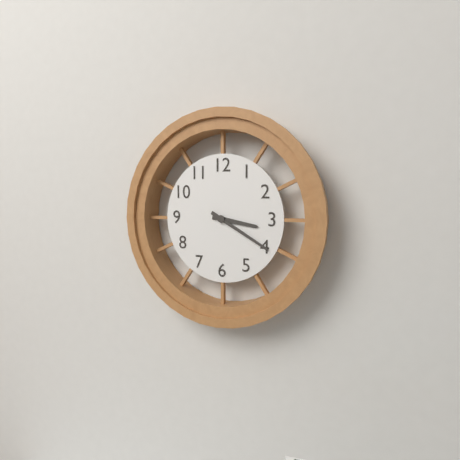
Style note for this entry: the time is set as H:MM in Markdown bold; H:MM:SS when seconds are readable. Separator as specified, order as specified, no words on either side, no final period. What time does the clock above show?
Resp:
**3:20**
